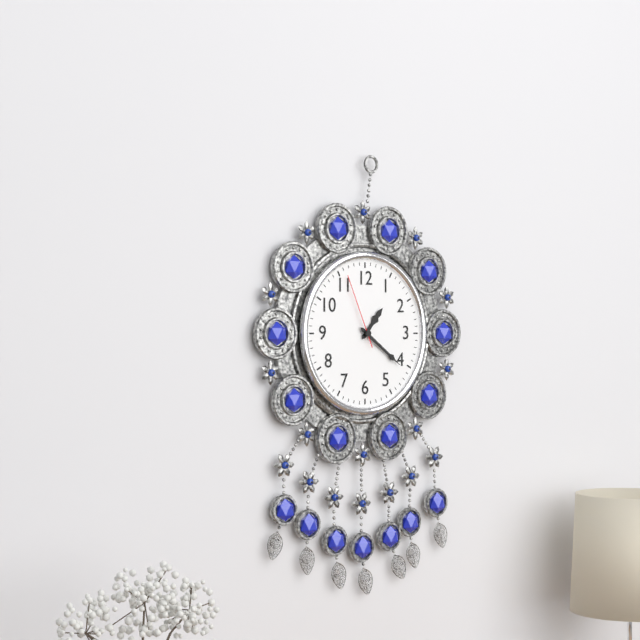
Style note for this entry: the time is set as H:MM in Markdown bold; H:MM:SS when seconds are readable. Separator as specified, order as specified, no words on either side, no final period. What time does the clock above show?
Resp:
**1:21:56**
